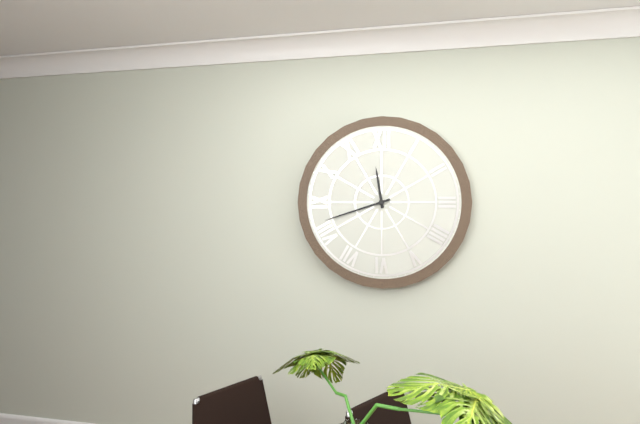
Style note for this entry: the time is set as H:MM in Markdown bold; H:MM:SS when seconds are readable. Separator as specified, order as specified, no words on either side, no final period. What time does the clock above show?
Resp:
**11:42**
